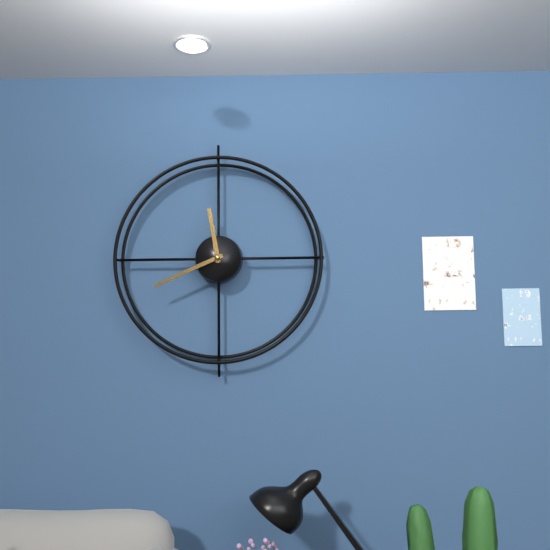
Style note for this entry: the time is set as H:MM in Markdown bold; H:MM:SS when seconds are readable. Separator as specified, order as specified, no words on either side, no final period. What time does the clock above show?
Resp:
**11:41**
